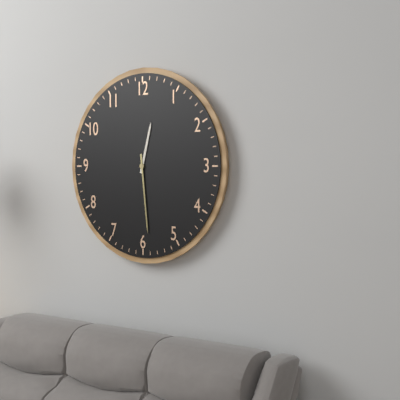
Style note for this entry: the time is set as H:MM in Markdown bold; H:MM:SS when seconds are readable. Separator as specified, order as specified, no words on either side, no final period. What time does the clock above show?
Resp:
**12:29**
